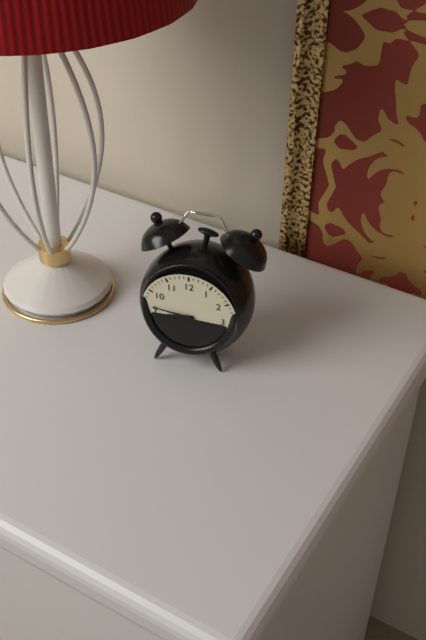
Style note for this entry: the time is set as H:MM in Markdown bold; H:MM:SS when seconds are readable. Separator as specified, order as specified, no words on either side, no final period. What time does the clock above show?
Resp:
**8:46**
